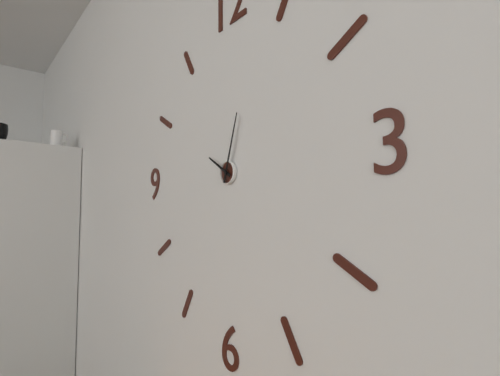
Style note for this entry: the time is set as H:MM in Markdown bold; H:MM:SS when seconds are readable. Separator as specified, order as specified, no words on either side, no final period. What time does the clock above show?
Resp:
**10:03**
